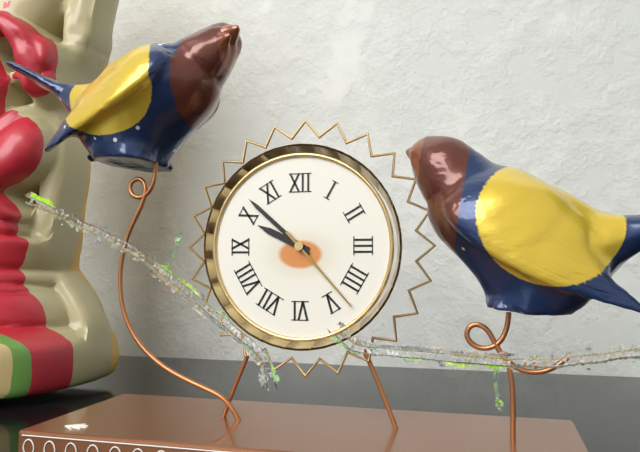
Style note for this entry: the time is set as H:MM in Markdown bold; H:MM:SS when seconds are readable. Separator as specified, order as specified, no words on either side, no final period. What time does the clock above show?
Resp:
**9:52:23**
